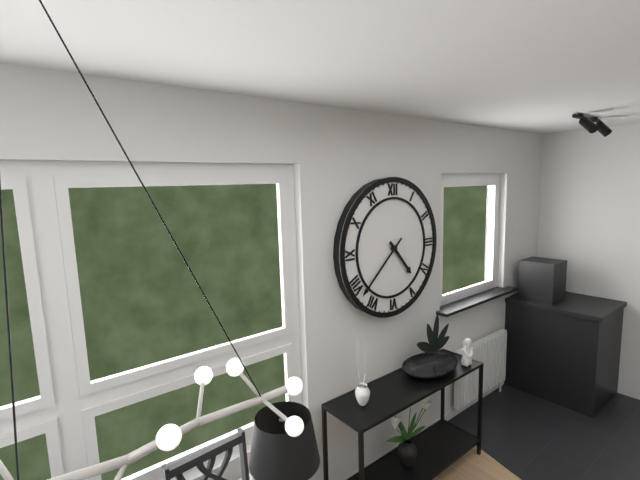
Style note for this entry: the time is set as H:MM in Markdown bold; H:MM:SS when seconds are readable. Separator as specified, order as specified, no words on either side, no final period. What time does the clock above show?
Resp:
**4:38**
